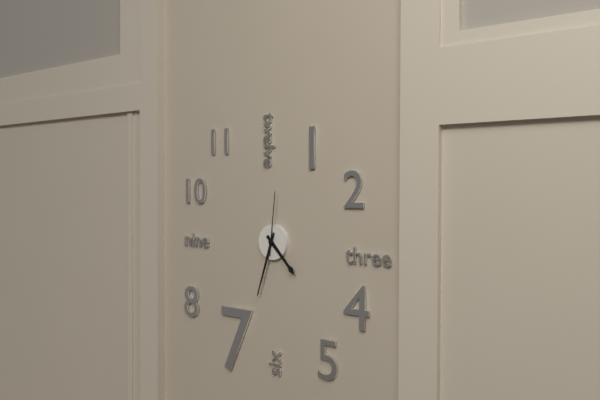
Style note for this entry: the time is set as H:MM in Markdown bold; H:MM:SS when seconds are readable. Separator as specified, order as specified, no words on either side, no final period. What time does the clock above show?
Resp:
**4:33:01**
